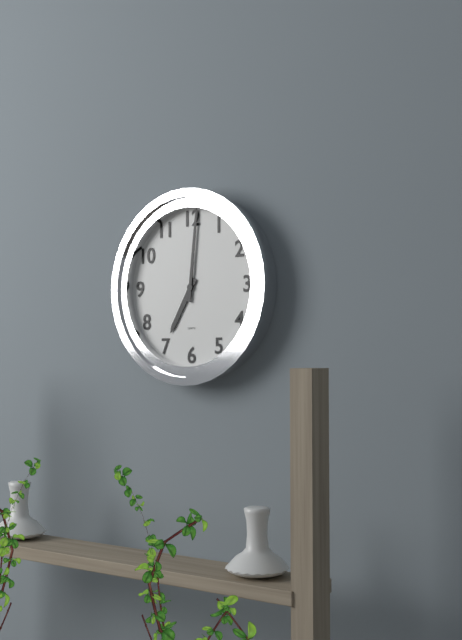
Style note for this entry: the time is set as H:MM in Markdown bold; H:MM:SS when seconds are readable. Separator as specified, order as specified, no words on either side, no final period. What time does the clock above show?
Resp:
**7:01**
